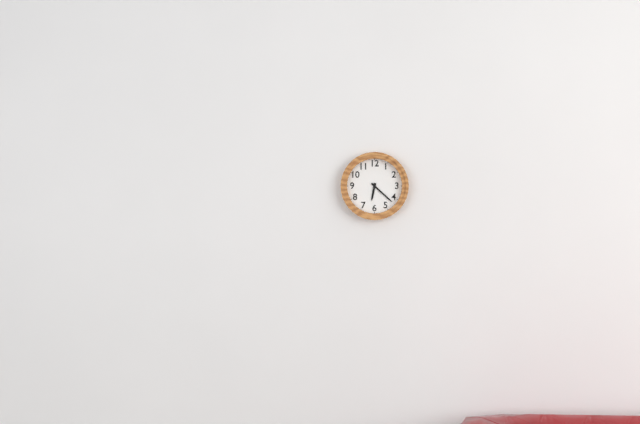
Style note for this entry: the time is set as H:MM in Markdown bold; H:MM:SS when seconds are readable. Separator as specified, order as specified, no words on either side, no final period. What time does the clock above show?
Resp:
**6:22**
